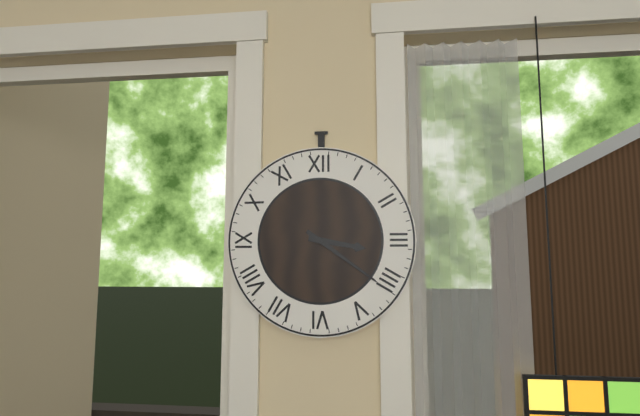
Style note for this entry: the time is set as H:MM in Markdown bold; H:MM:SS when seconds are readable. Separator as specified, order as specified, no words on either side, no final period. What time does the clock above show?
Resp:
**3:21**
